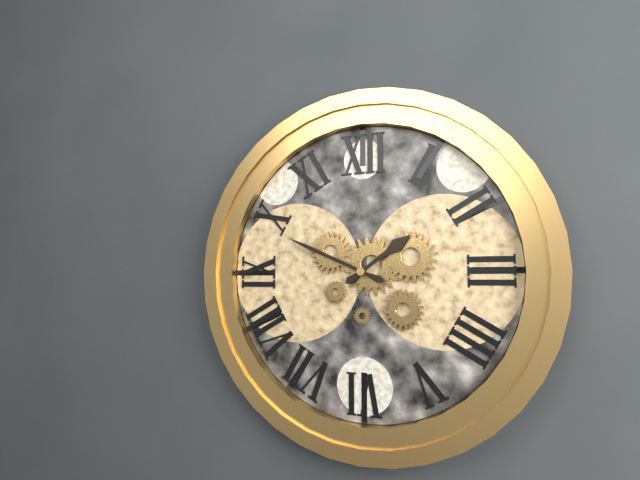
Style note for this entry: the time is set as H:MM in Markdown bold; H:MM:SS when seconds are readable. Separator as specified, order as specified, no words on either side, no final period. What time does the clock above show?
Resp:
**1:49**
